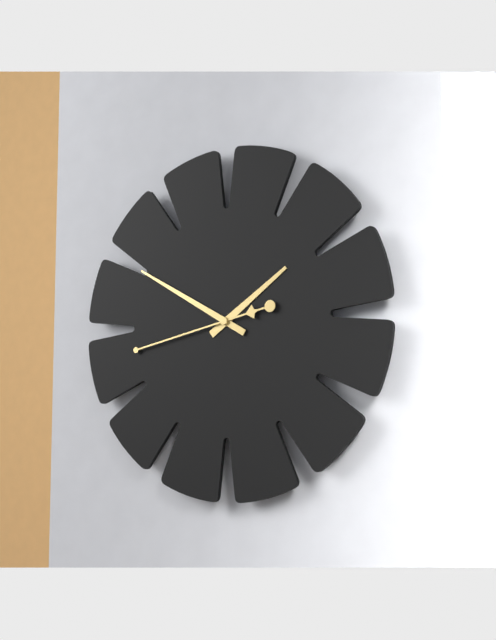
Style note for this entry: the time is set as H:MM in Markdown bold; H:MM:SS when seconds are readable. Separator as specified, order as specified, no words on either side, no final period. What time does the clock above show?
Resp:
**1:50:43**
